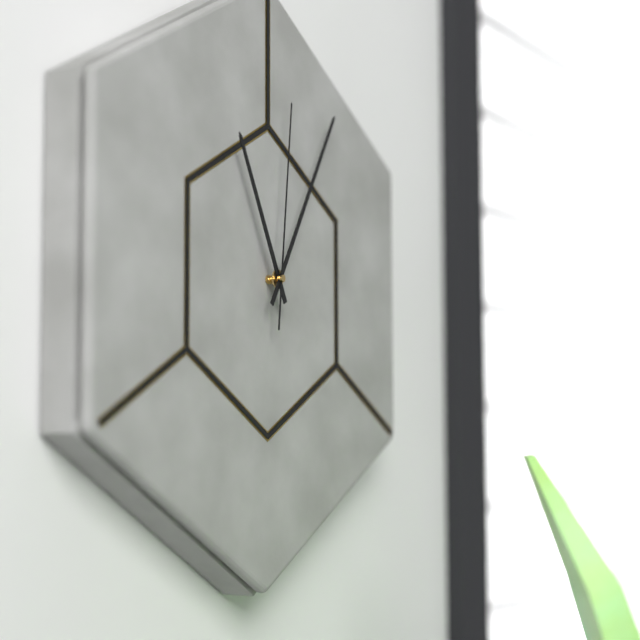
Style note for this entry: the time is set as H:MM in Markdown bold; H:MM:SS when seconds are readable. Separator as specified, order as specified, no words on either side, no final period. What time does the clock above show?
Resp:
**11:05:01**
